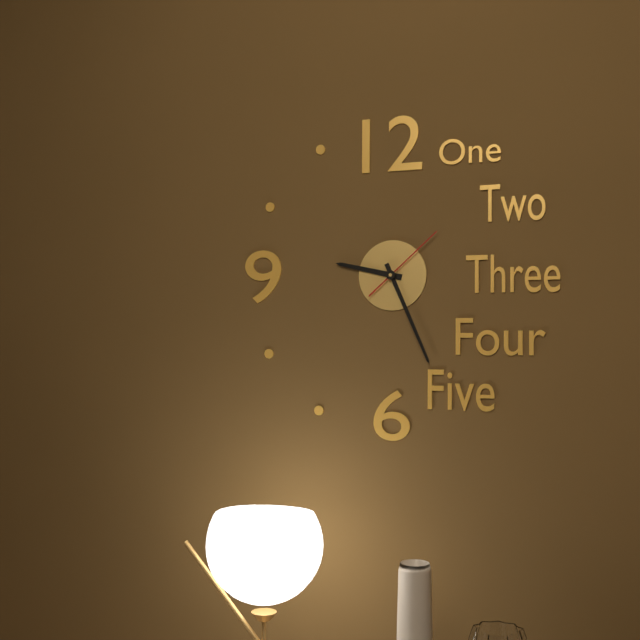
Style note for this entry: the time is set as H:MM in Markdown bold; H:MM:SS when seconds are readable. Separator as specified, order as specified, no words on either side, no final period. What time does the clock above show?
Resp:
**9:26:08**
